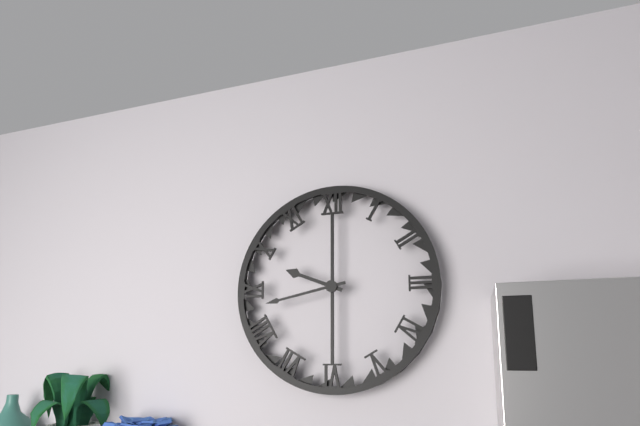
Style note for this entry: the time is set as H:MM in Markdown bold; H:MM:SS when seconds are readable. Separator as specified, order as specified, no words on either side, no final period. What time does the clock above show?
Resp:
**9:43**
